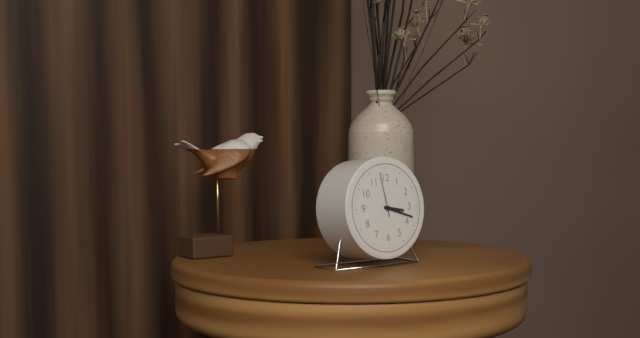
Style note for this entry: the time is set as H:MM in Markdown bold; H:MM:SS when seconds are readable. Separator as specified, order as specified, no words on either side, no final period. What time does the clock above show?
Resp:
**3:18**
